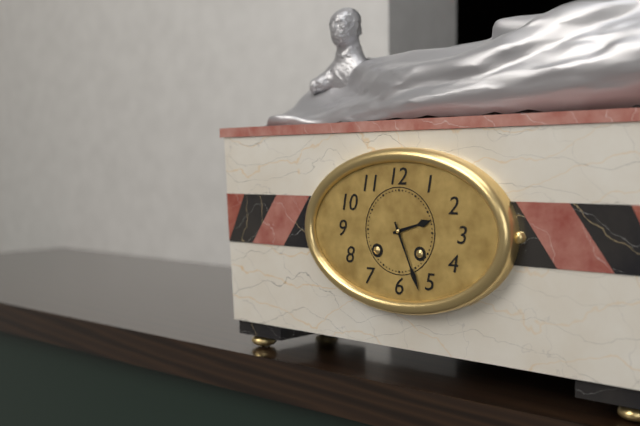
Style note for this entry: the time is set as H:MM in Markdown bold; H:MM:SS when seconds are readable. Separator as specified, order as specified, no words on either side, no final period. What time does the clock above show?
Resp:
**2:26**
